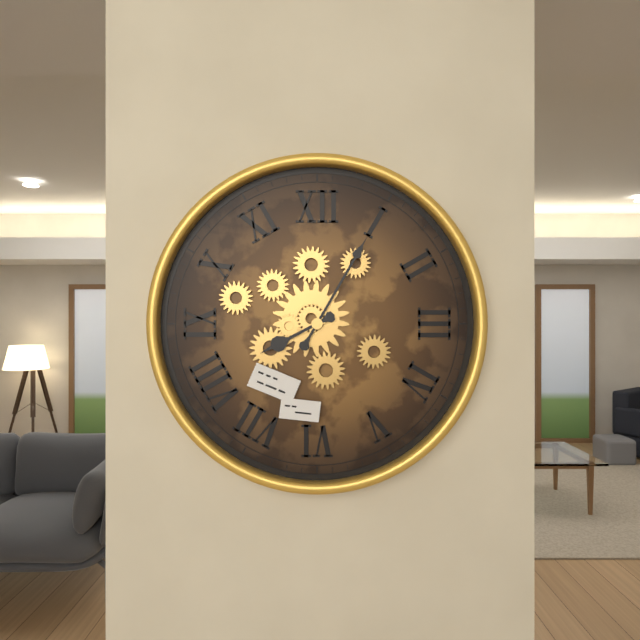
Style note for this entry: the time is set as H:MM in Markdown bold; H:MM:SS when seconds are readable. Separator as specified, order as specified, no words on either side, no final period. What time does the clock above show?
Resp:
**8:05**
